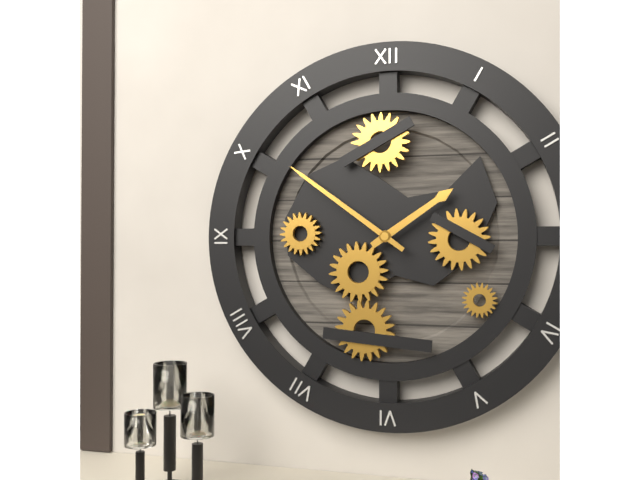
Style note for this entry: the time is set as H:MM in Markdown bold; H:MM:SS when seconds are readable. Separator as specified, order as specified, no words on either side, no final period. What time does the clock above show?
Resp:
**1:51**
